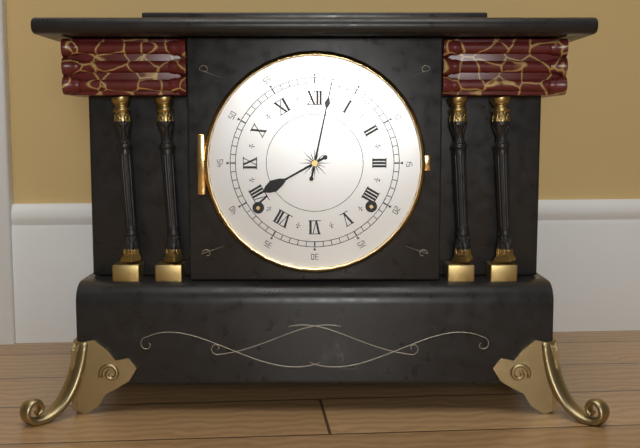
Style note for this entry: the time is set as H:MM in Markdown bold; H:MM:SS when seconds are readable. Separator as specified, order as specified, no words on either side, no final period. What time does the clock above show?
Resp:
**8:02**
